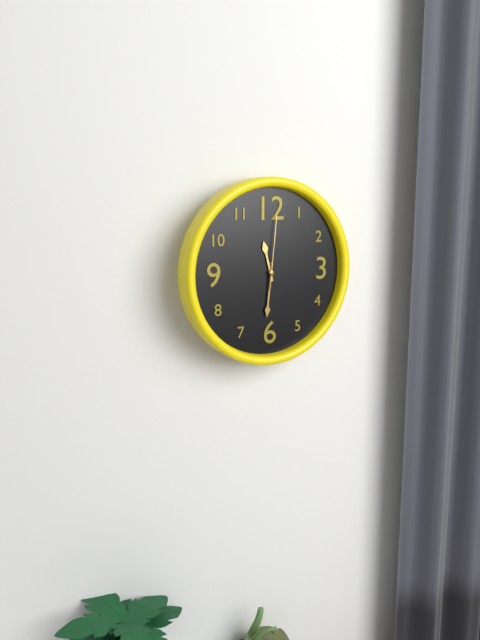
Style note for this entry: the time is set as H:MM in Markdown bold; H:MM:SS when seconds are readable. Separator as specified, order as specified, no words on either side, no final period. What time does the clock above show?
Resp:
**11:31:01**
